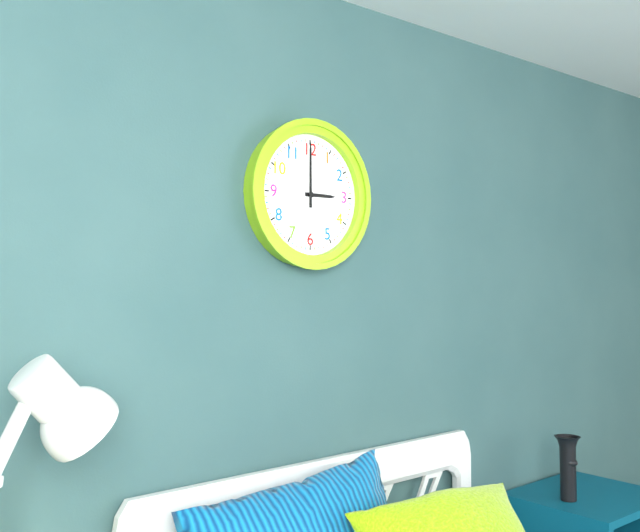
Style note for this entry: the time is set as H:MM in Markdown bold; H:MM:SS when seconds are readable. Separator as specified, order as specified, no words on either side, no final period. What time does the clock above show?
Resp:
**3:00**
